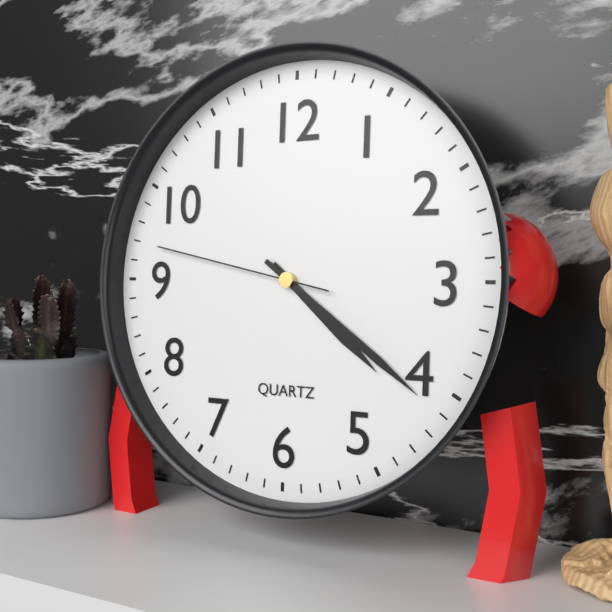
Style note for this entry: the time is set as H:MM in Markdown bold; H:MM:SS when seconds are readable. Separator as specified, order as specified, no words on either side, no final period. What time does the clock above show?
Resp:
**4:21:47**
